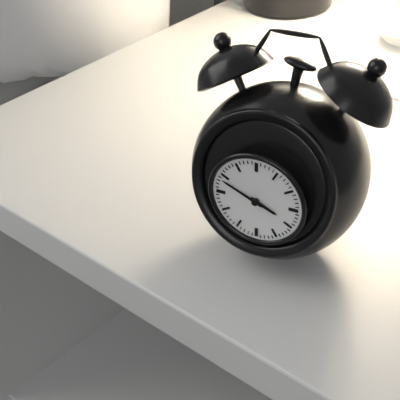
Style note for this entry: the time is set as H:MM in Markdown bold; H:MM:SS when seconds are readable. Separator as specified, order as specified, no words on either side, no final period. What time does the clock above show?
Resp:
**3:49**
